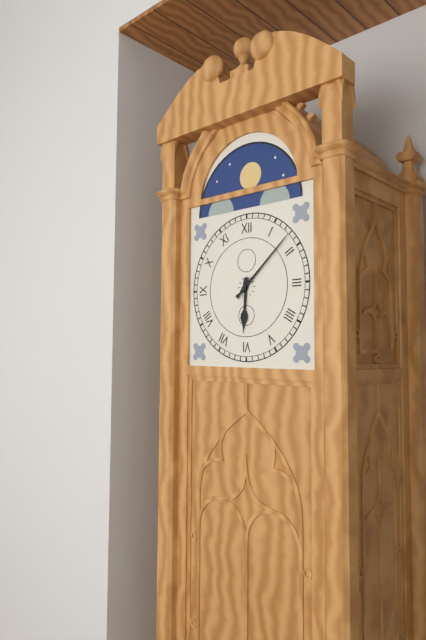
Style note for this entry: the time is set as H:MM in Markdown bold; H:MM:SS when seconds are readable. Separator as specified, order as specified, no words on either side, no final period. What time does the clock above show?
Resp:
**6:08**
